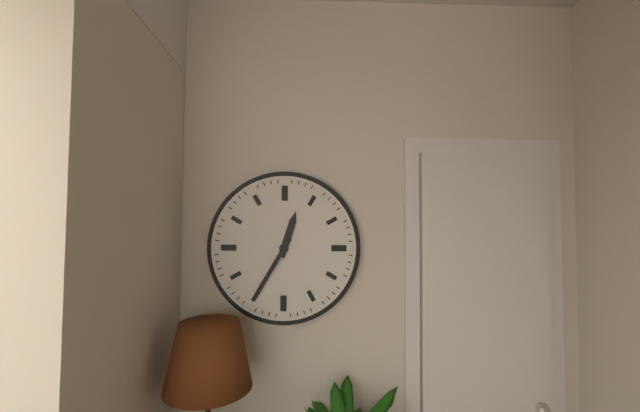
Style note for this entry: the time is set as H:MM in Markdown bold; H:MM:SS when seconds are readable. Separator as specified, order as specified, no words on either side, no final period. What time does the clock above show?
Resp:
**12:35**
